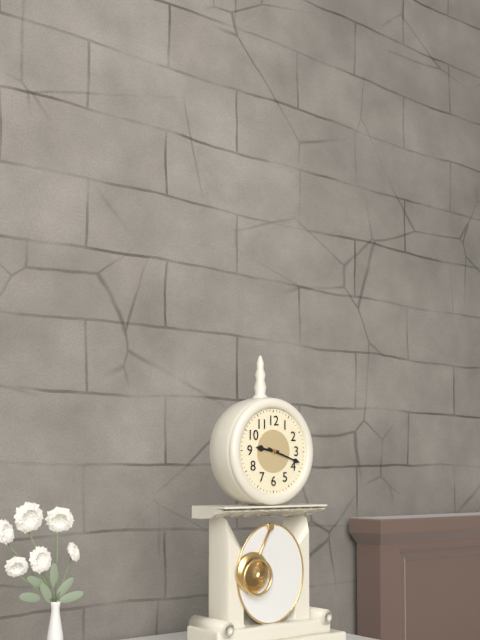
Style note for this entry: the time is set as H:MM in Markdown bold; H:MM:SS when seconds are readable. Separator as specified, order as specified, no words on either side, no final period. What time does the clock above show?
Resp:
**9:18**
